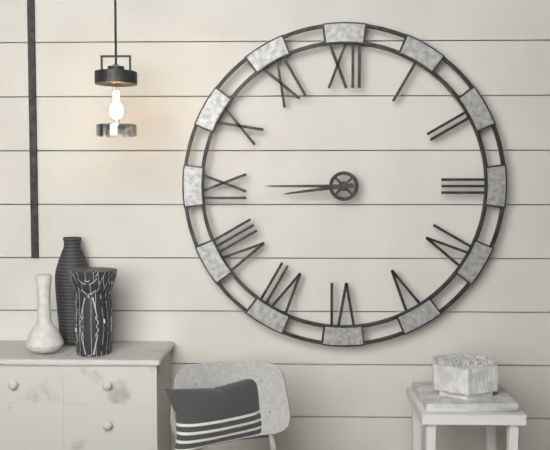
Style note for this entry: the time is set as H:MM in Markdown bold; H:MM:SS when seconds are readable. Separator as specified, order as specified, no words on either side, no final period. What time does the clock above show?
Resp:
**8:45**
